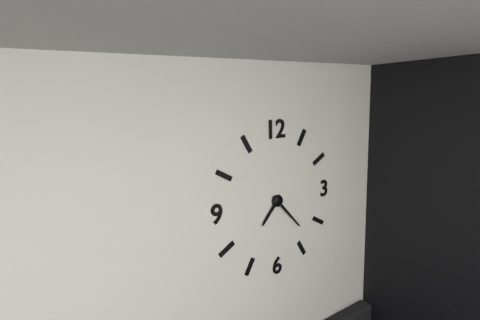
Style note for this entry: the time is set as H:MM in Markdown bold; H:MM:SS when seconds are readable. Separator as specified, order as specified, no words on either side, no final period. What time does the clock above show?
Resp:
**7:23**
